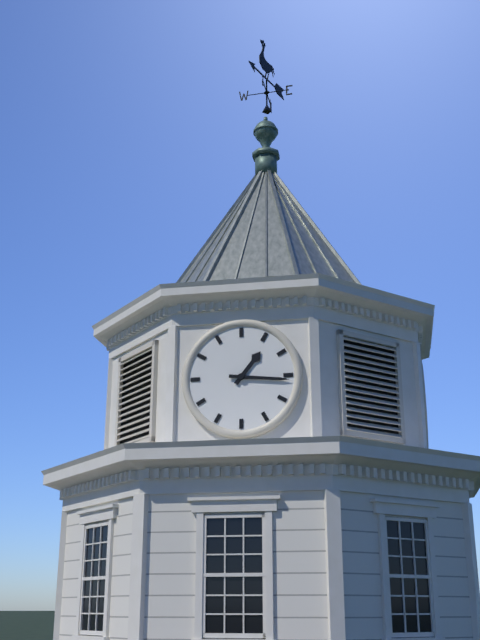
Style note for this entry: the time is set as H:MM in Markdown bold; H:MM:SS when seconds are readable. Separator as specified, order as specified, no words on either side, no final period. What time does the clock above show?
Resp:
**1:16**
